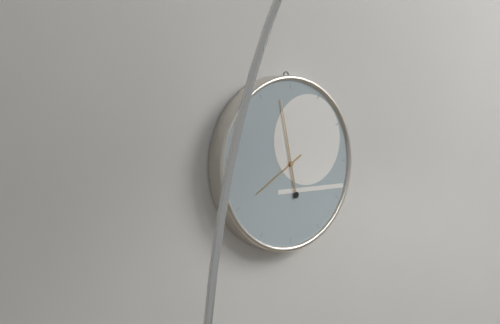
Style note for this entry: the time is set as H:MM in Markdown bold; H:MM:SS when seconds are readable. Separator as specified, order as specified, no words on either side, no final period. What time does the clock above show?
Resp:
**7:58**
